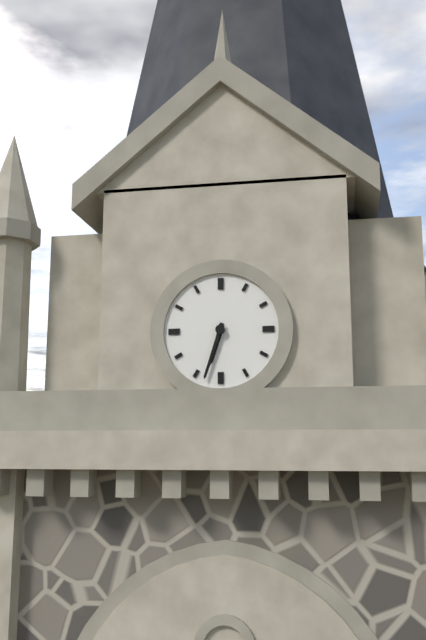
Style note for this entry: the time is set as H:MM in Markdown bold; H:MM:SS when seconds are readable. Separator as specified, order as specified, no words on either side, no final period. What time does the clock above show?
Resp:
**6:33**
